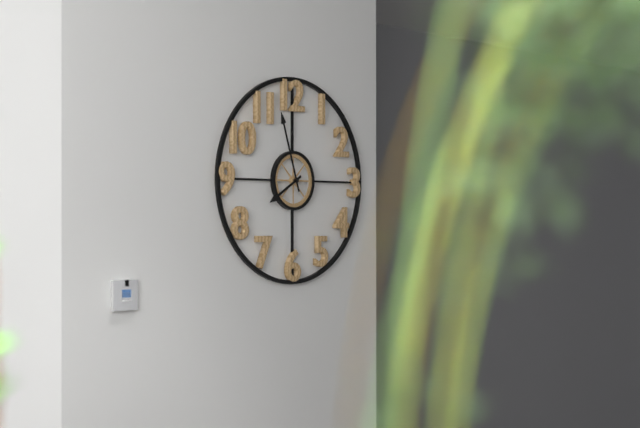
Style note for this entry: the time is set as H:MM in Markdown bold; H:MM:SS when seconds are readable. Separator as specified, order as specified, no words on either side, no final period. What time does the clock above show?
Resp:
**7:57**
